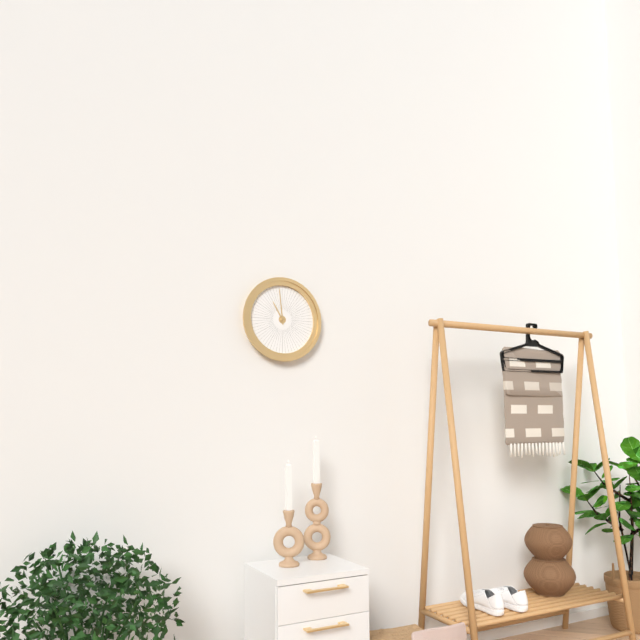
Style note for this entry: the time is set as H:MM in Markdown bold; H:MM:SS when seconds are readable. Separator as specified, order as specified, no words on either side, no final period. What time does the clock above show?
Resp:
**10:59**
